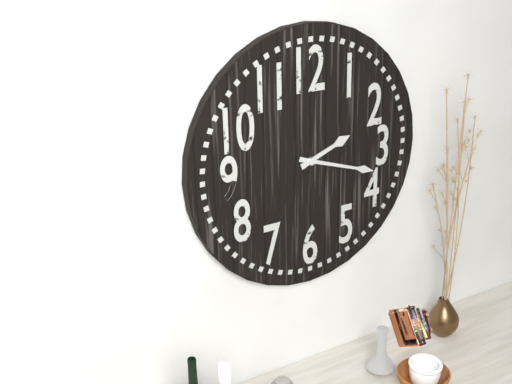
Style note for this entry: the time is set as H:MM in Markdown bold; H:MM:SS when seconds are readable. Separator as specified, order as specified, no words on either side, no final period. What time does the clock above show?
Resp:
**2:18**
